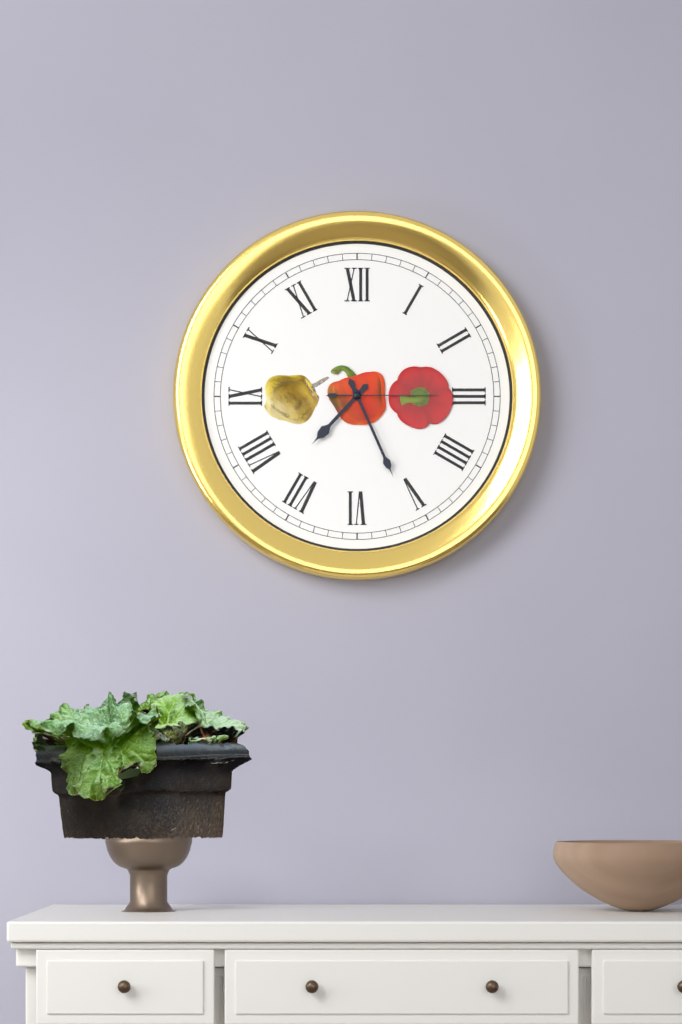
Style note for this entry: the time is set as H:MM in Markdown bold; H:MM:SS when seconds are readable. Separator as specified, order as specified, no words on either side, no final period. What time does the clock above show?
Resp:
**7:26:15**
